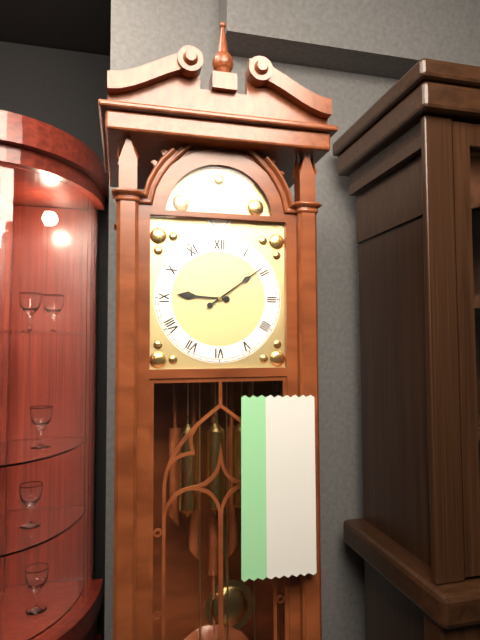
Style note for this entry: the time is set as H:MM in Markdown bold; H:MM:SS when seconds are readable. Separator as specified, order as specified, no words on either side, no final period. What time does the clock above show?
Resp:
**9:09**
